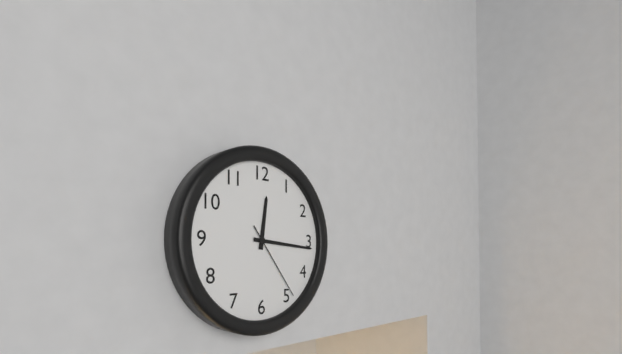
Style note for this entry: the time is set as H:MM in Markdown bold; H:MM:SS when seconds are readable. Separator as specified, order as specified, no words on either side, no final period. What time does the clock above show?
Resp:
**12:16:24**
